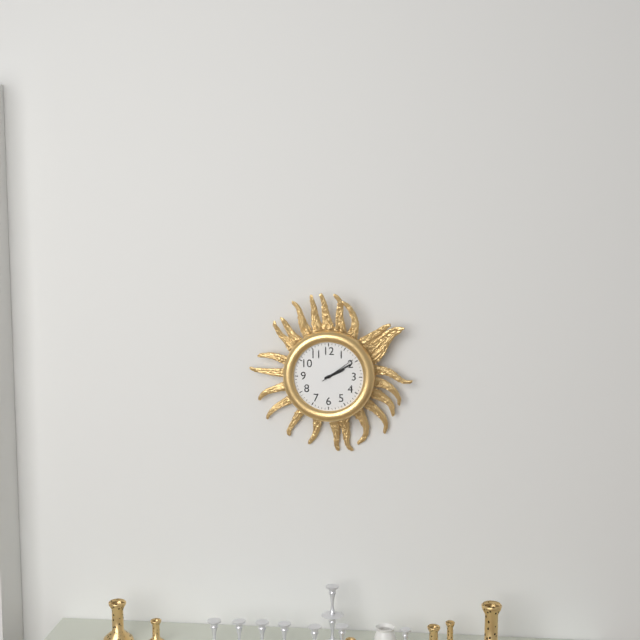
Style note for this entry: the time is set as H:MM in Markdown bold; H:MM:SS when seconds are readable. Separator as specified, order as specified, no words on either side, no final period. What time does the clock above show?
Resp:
**2:10**
